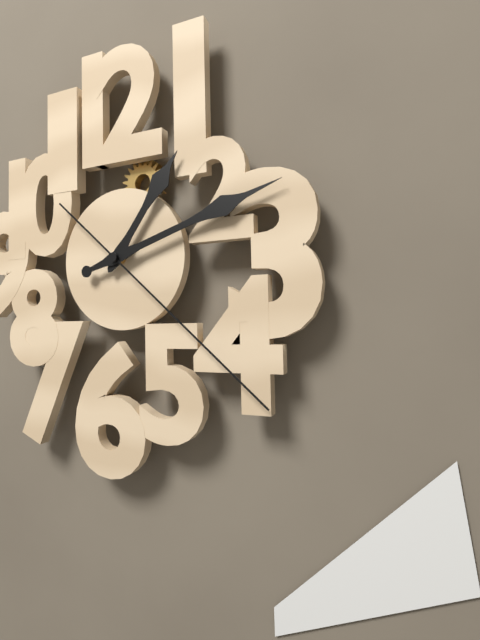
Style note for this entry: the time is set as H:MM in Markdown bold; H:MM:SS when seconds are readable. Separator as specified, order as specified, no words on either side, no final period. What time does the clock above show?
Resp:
**1:12:22**
